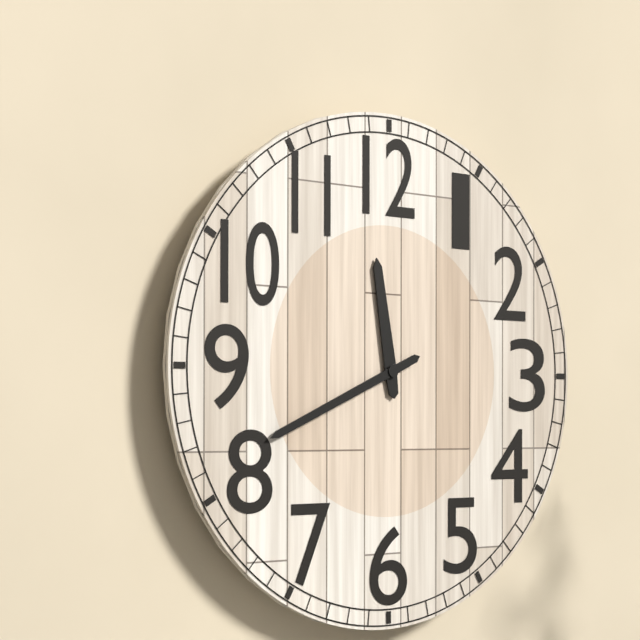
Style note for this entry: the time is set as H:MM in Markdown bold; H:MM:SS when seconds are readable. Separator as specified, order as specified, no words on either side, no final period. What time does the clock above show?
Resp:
**11:41**
